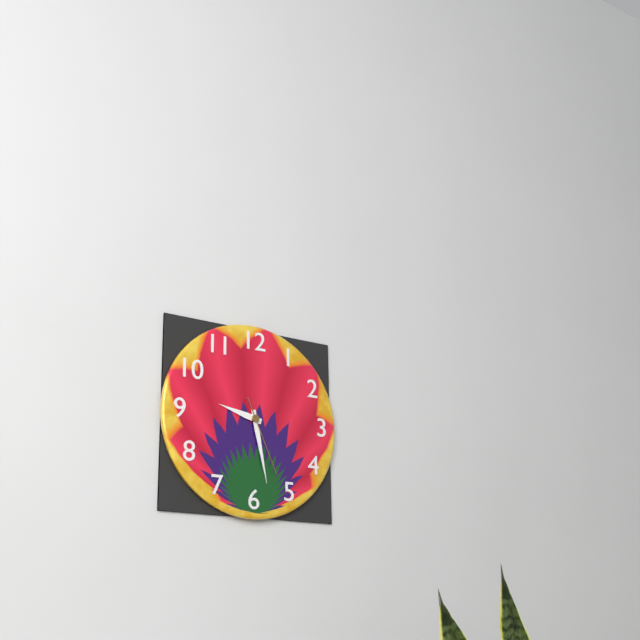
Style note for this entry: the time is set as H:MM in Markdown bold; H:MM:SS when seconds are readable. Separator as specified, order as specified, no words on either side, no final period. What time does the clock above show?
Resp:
**9:28:26**
